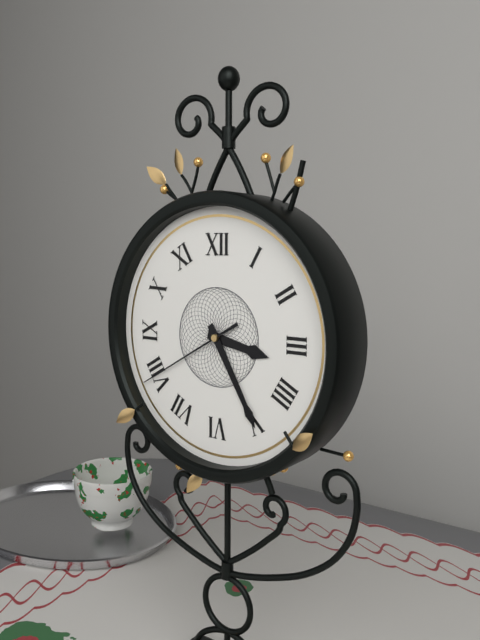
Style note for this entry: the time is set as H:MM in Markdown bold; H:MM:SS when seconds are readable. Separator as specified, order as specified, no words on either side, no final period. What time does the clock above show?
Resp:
**3:25:40**
